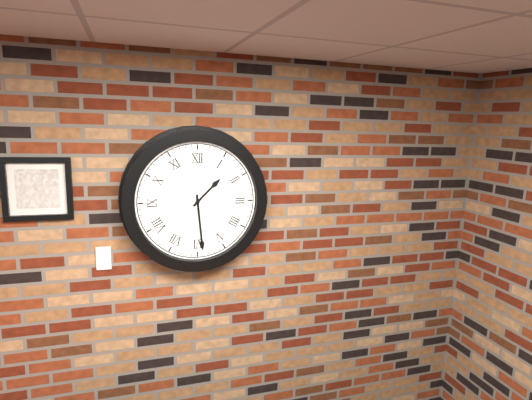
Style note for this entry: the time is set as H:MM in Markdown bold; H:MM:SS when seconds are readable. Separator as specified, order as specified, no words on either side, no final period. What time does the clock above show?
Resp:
**1:29**
